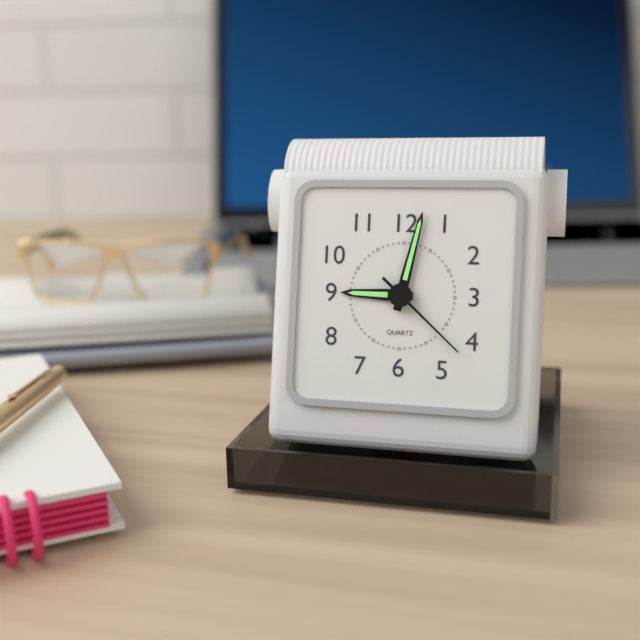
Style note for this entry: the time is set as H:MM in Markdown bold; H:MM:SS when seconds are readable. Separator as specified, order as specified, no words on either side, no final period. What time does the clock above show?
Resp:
**9:02:22**
